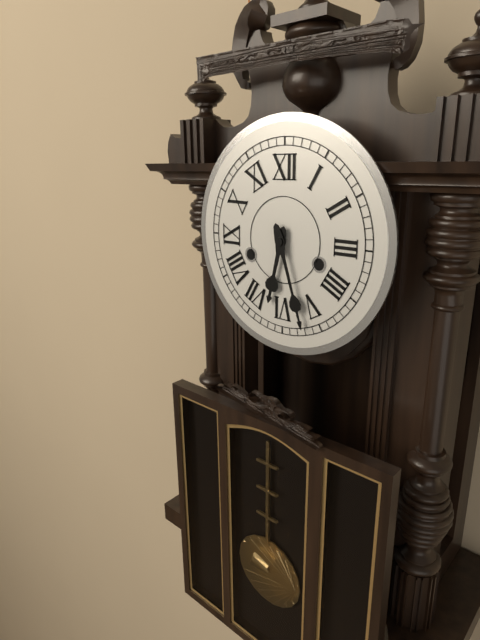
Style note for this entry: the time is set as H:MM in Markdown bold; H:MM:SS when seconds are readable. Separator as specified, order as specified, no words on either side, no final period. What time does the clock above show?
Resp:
**6:27**
